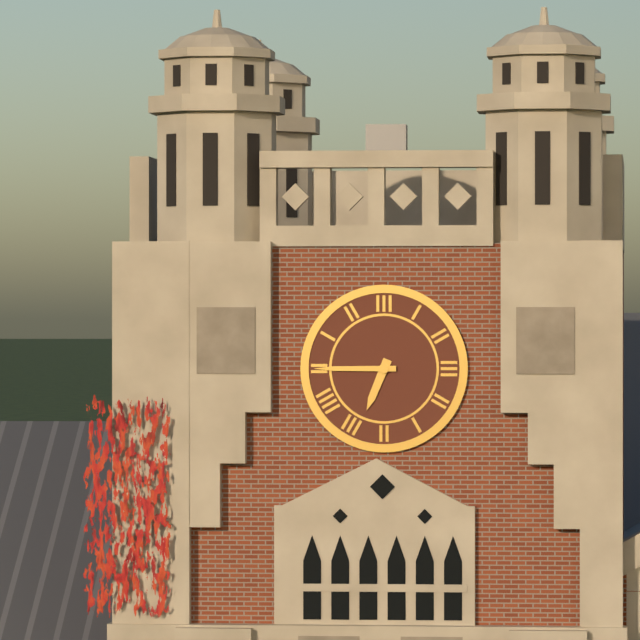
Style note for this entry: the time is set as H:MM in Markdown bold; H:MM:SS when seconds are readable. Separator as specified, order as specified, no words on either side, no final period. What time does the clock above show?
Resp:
**6:45**
